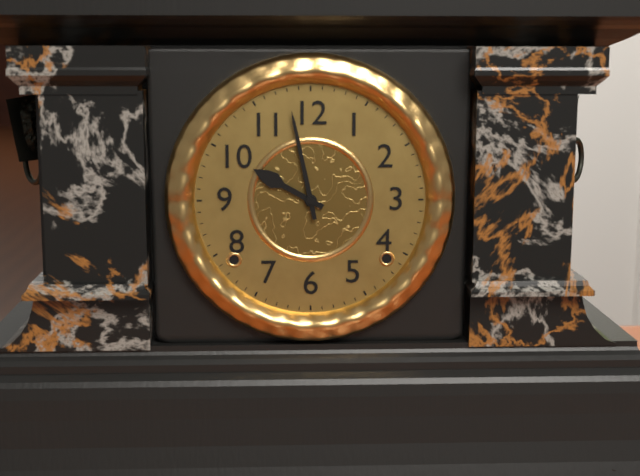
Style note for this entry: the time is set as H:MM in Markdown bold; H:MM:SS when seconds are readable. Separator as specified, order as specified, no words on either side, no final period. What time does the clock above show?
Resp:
**9:58**
